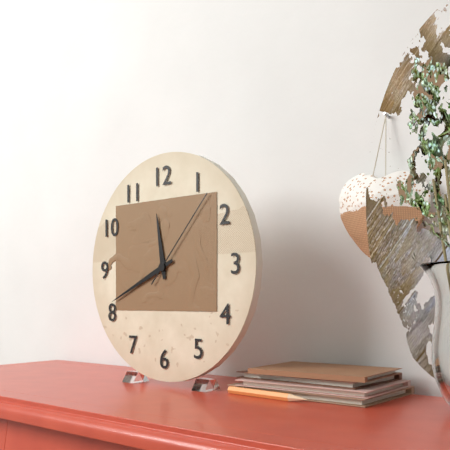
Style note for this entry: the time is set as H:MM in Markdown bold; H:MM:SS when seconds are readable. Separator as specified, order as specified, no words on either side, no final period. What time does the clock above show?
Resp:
**11:41:07**
